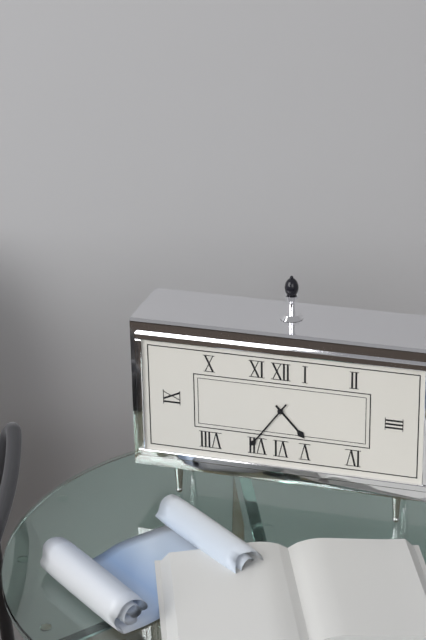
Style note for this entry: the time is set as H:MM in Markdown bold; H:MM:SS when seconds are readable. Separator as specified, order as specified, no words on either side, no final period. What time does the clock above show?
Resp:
**4:36**
